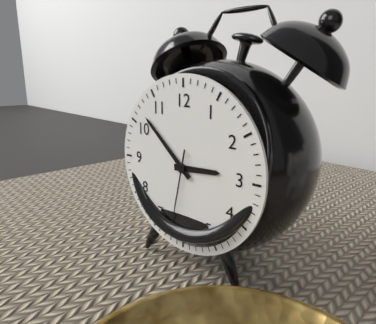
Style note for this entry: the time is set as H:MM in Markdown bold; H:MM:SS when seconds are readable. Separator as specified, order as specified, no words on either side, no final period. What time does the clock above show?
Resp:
**2:52:32**
